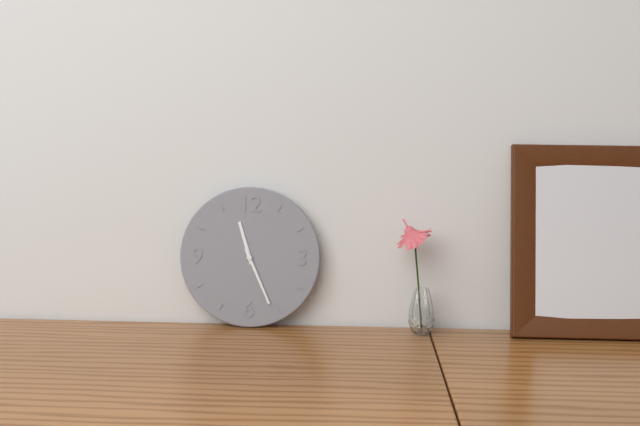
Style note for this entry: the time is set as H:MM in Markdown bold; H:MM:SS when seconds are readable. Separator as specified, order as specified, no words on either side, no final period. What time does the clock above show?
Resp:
**11:26**
